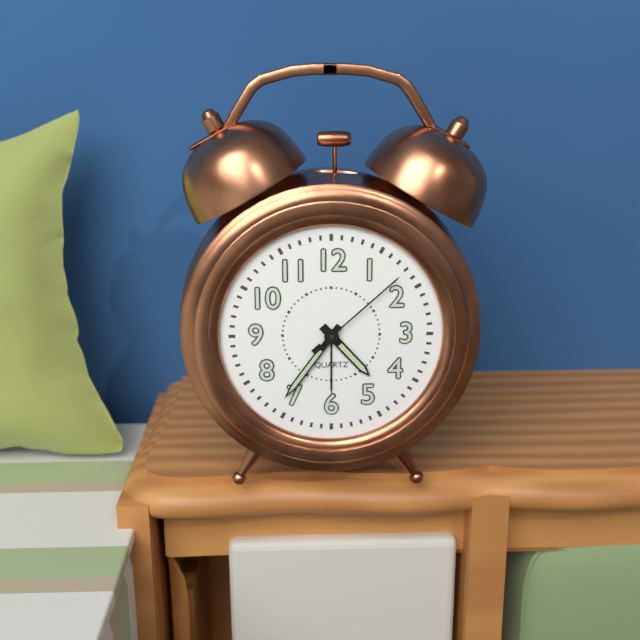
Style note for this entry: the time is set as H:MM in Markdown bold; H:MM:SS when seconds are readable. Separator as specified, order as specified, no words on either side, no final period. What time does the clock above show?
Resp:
**4:36:08**
